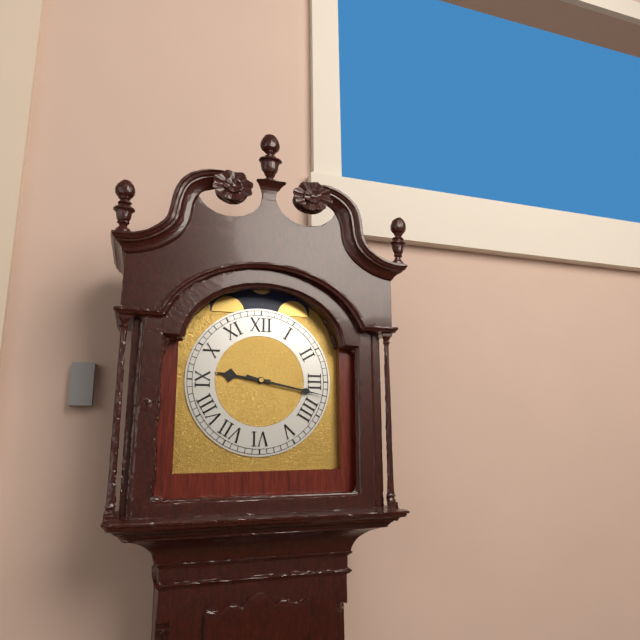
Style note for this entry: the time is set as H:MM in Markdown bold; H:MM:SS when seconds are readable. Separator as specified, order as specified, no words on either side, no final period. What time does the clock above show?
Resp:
**9:17**
